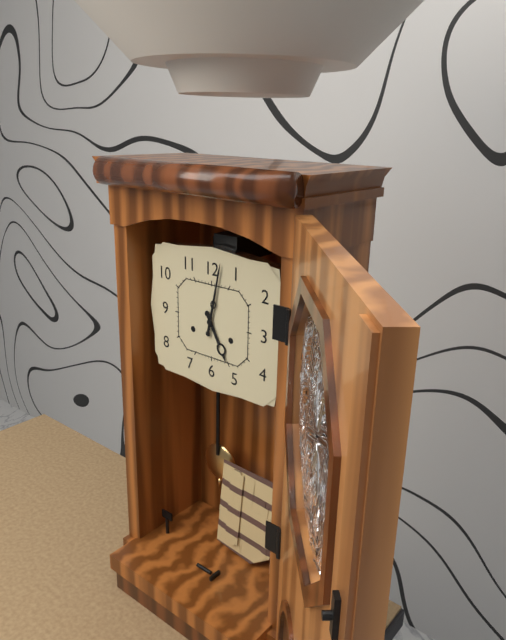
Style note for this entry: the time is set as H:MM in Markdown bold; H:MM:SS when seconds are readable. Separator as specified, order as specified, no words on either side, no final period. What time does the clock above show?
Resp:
**5:02**
